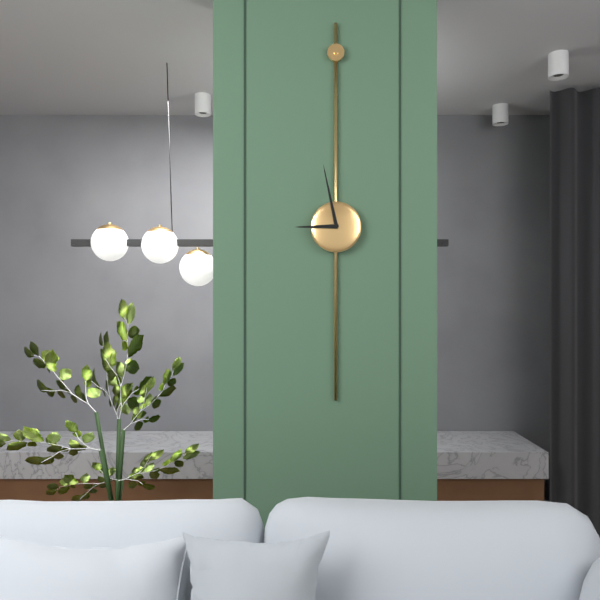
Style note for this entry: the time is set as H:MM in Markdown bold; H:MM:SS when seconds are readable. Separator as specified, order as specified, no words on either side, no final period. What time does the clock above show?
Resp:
**8:58**
